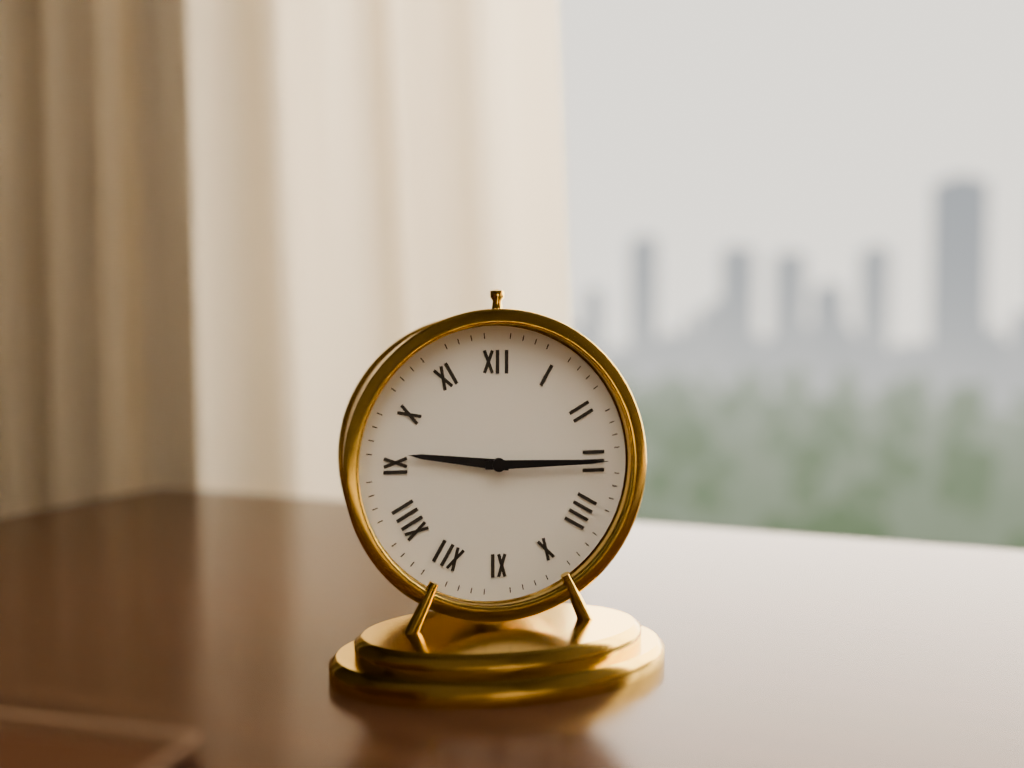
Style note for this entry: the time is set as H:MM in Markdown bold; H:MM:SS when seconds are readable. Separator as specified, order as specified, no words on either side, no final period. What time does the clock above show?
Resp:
**9:15**
